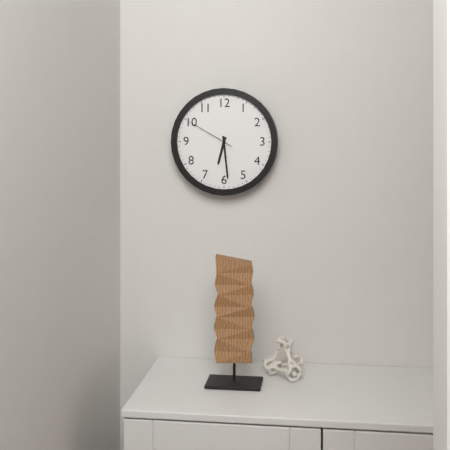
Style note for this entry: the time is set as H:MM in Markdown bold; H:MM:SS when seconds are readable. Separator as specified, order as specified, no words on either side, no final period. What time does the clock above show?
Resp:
**6:29:50**
